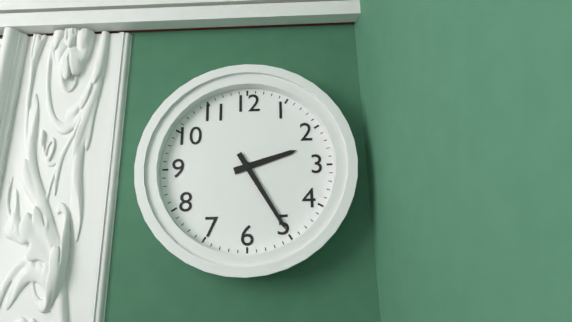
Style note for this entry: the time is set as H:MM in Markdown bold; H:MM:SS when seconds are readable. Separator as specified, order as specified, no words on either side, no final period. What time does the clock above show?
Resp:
**2:25**
